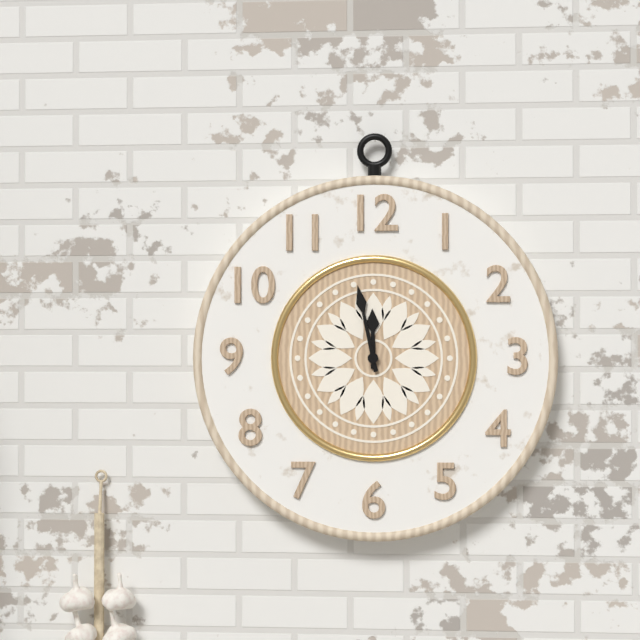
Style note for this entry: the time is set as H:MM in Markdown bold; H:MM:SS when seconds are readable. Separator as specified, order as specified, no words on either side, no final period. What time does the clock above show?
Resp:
**11:58**
